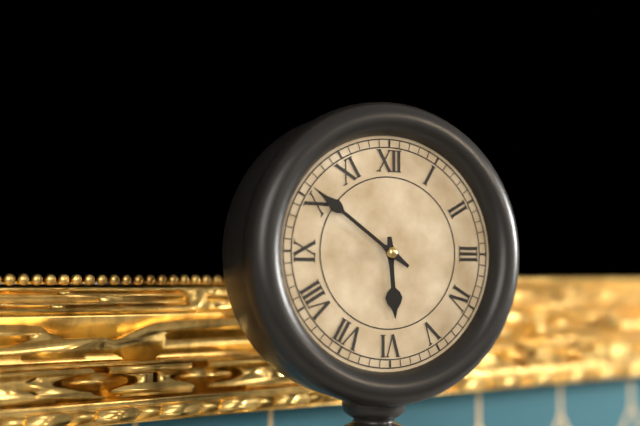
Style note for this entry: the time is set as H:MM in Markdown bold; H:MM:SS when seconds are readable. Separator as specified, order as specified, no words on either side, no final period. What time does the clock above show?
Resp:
**5:51**
